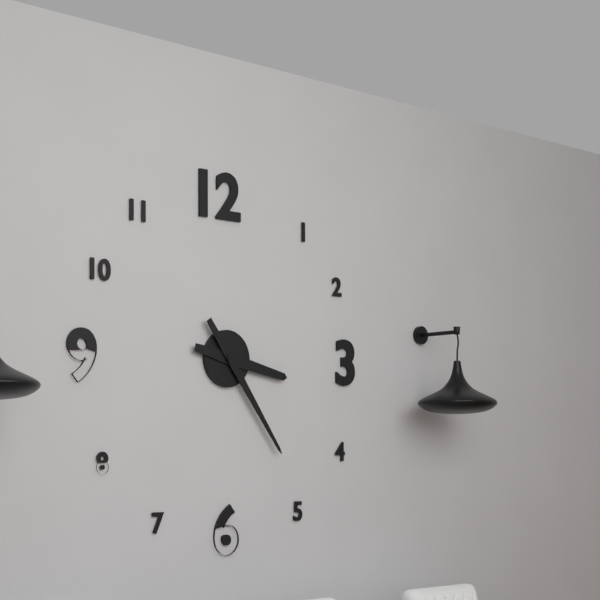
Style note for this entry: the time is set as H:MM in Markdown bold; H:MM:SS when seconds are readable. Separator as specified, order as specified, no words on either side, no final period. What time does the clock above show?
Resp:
**3:24**
